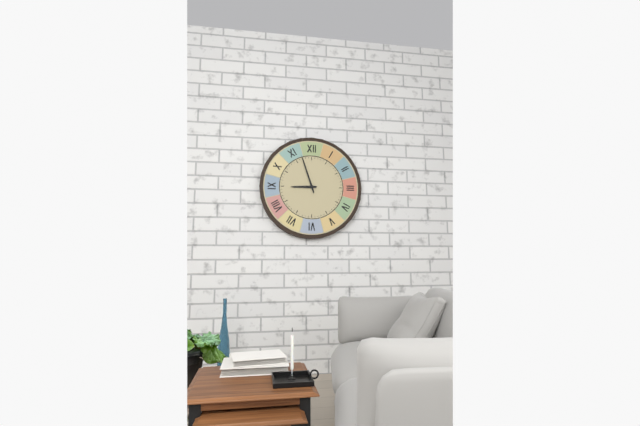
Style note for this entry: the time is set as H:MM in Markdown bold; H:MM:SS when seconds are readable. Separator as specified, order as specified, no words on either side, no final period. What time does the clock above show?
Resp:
**8:57**
